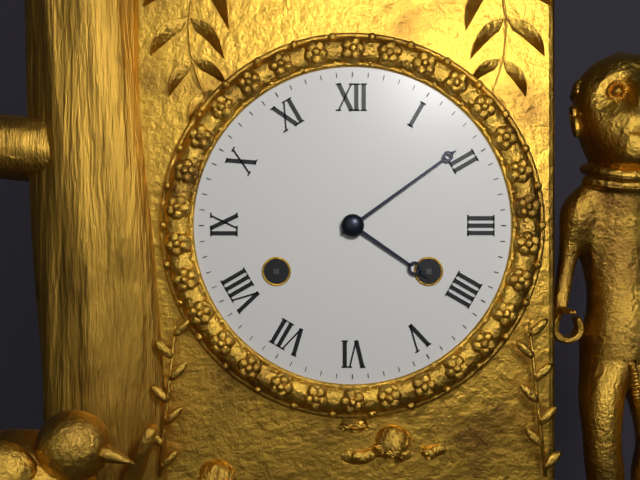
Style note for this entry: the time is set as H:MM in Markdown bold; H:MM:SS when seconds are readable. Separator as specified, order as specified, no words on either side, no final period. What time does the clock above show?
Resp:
**4:09**
